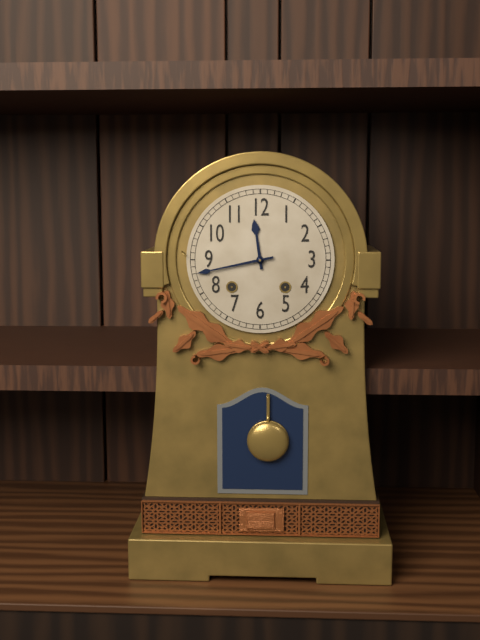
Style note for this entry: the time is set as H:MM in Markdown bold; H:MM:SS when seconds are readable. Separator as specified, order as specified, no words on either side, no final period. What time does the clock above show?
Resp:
**11:43**
